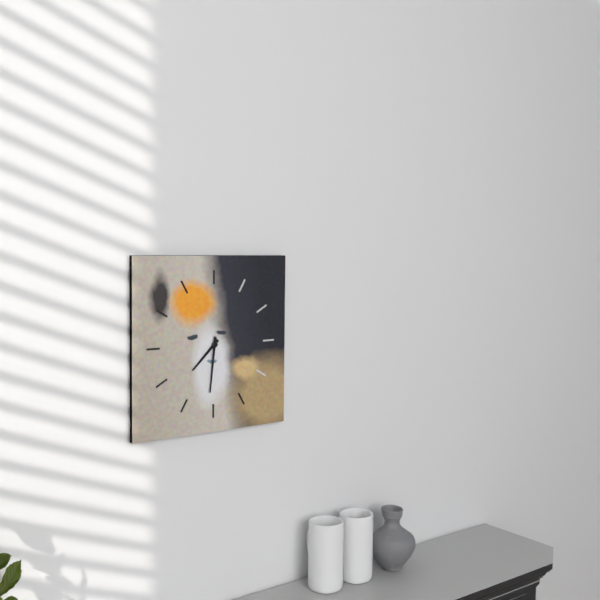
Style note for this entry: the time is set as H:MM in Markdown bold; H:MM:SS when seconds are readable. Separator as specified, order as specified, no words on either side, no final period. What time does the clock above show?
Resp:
**7:31**
